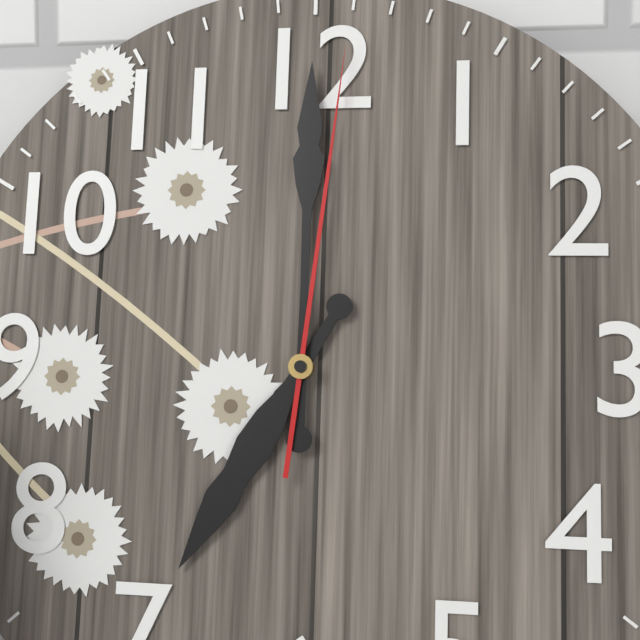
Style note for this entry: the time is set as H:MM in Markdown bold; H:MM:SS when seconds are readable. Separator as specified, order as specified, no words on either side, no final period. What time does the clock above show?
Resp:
**7:00:01**
